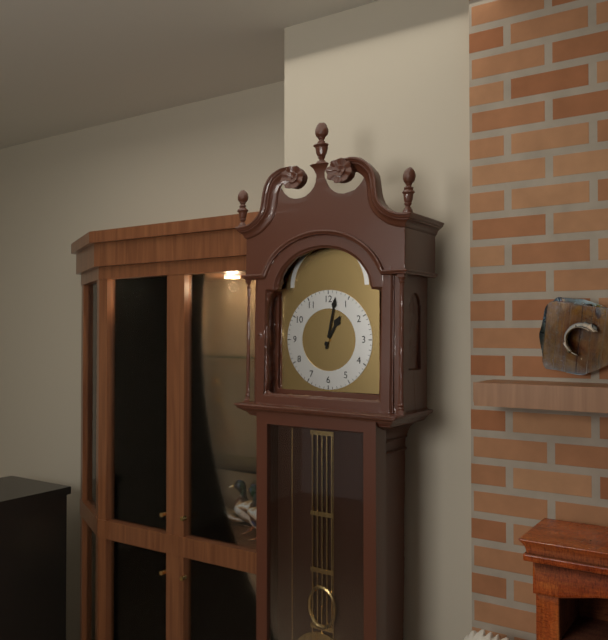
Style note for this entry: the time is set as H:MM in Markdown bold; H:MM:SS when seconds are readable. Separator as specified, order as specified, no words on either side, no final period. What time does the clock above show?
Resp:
**1:02**
